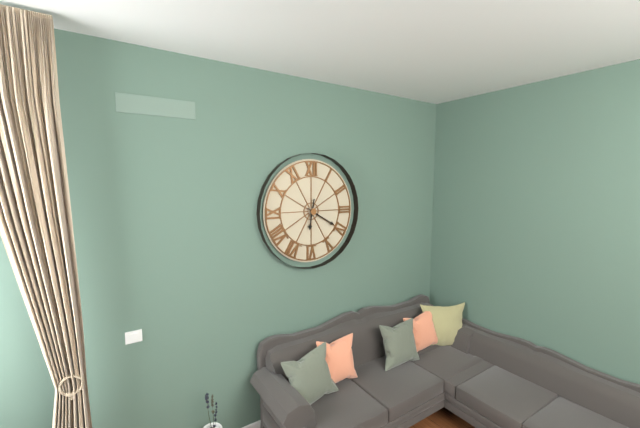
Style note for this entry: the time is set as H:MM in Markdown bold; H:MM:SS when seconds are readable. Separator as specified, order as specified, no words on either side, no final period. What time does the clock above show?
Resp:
**6:20**
